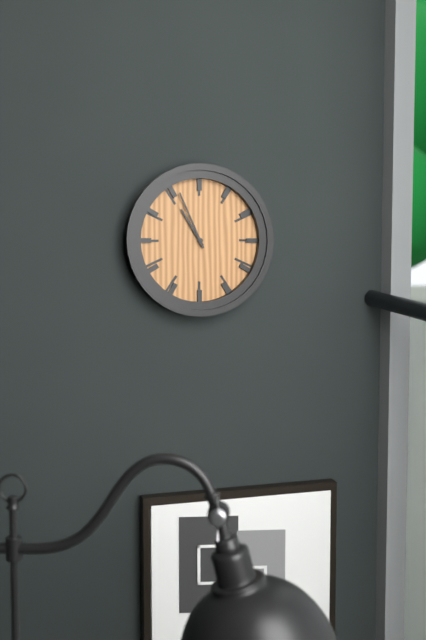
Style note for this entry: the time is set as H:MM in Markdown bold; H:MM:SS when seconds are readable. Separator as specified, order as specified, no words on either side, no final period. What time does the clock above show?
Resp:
**10:56**
